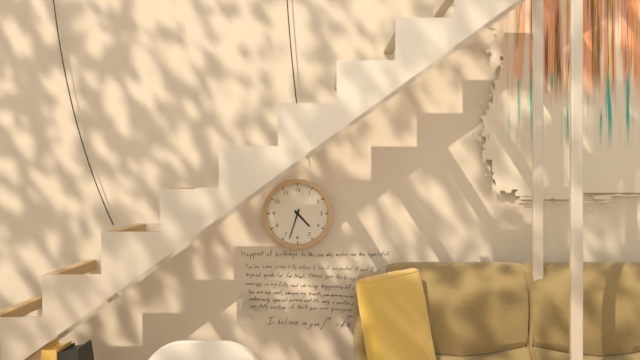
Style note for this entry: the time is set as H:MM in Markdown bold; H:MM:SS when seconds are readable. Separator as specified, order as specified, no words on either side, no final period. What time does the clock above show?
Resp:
**4:33**
